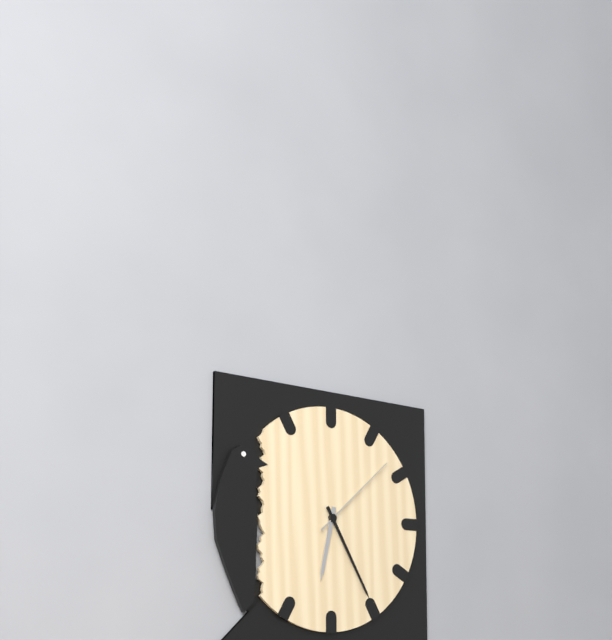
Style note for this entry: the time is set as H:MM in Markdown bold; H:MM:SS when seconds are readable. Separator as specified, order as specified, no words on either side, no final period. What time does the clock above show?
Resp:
**6:25:08**
